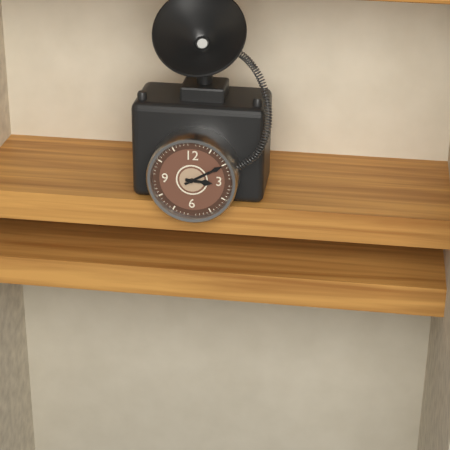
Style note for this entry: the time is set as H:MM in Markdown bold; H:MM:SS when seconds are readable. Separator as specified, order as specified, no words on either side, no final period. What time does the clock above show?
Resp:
**3:10**
